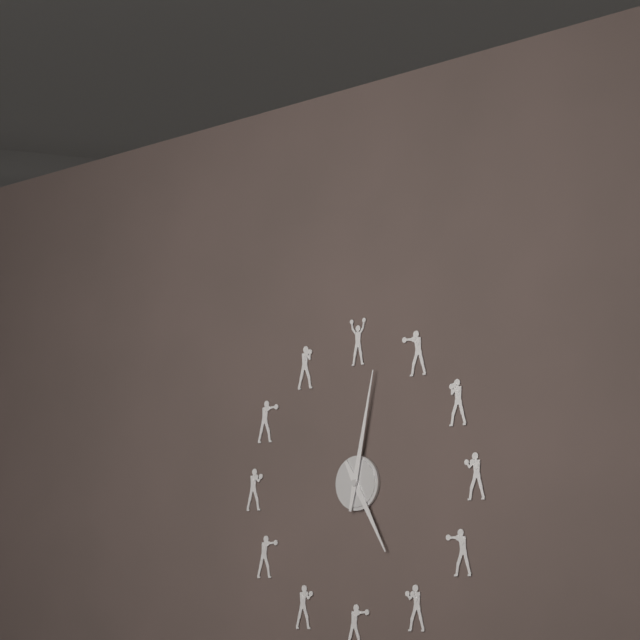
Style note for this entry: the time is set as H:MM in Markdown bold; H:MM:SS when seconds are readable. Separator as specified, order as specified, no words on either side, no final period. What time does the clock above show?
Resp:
**5:02**
